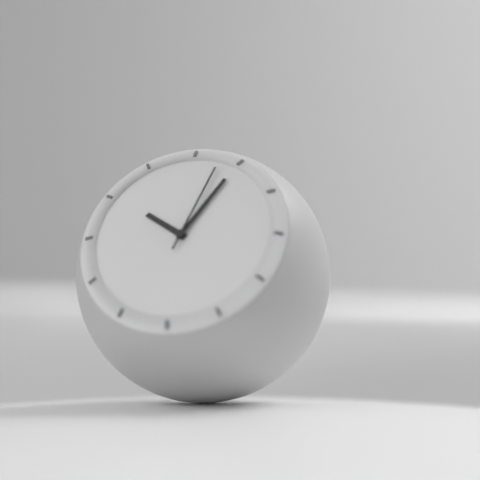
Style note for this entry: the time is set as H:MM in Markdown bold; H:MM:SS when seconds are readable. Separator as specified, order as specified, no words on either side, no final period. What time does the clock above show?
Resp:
**10:05:03**
